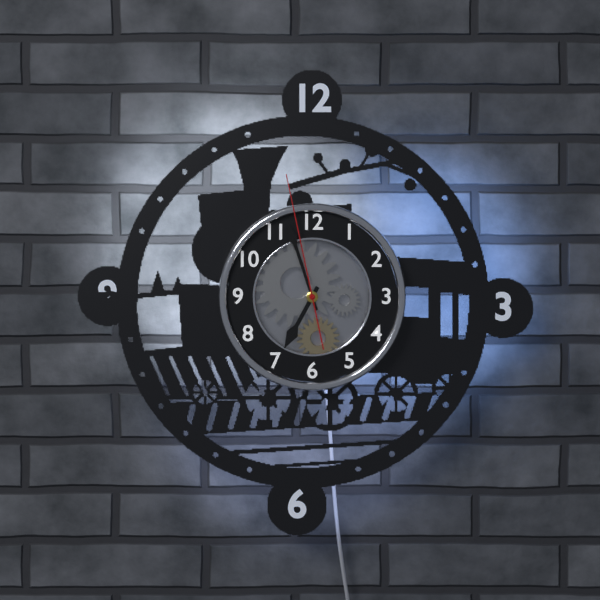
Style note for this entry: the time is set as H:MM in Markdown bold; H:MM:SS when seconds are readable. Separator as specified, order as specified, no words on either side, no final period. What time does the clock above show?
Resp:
**6:57:58**
